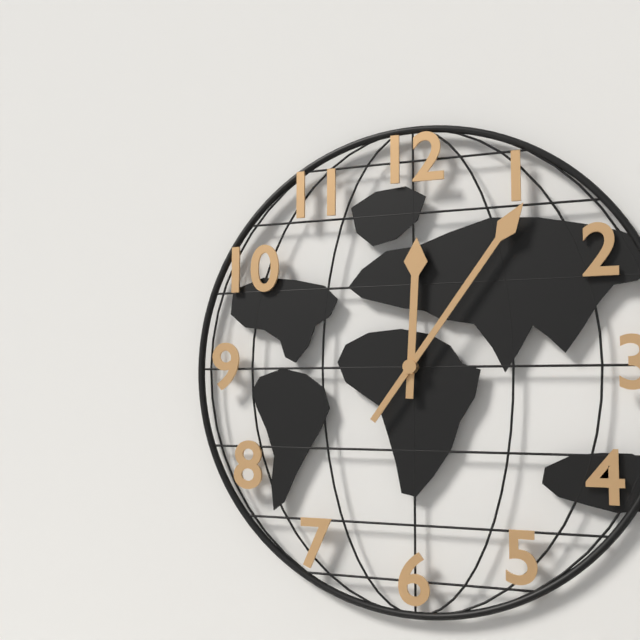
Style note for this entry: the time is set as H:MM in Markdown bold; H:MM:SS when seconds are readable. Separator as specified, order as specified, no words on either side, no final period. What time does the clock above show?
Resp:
**12:06**
